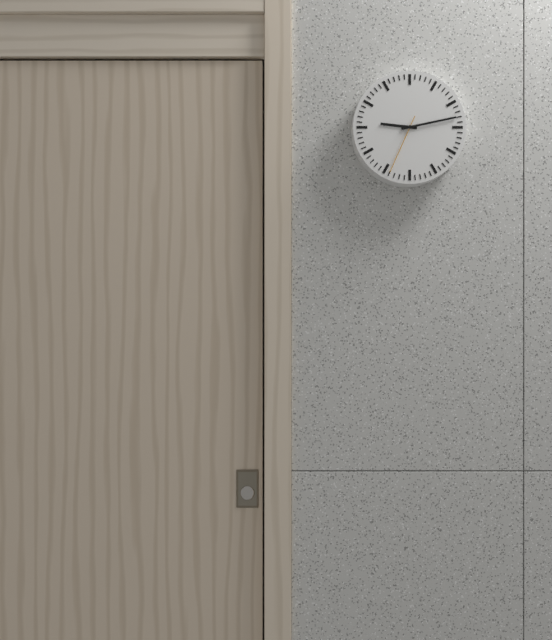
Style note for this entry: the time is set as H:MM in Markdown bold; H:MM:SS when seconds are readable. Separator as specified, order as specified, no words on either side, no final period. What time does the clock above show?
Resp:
**9:13:34**
